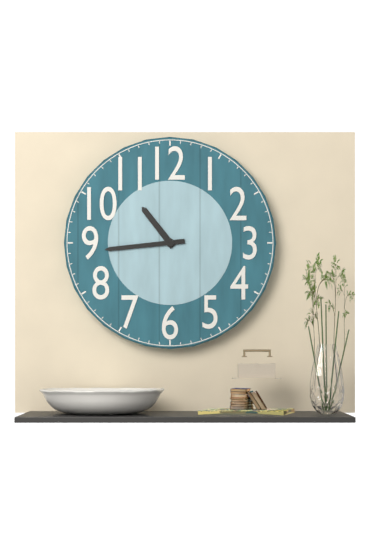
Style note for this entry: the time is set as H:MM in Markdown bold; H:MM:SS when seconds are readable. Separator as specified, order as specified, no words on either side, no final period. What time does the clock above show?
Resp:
**10:44**
